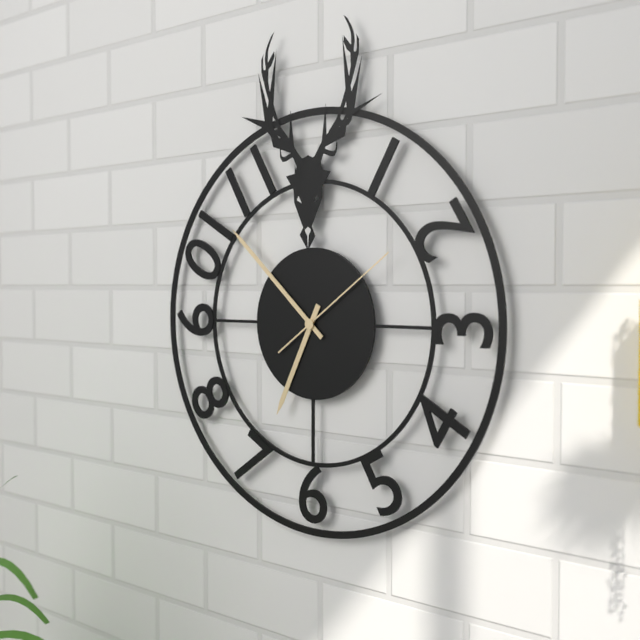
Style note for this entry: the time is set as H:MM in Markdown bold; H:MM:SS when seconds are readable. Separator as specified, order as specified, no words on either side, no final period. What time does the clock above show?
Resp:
**6:52:09**
